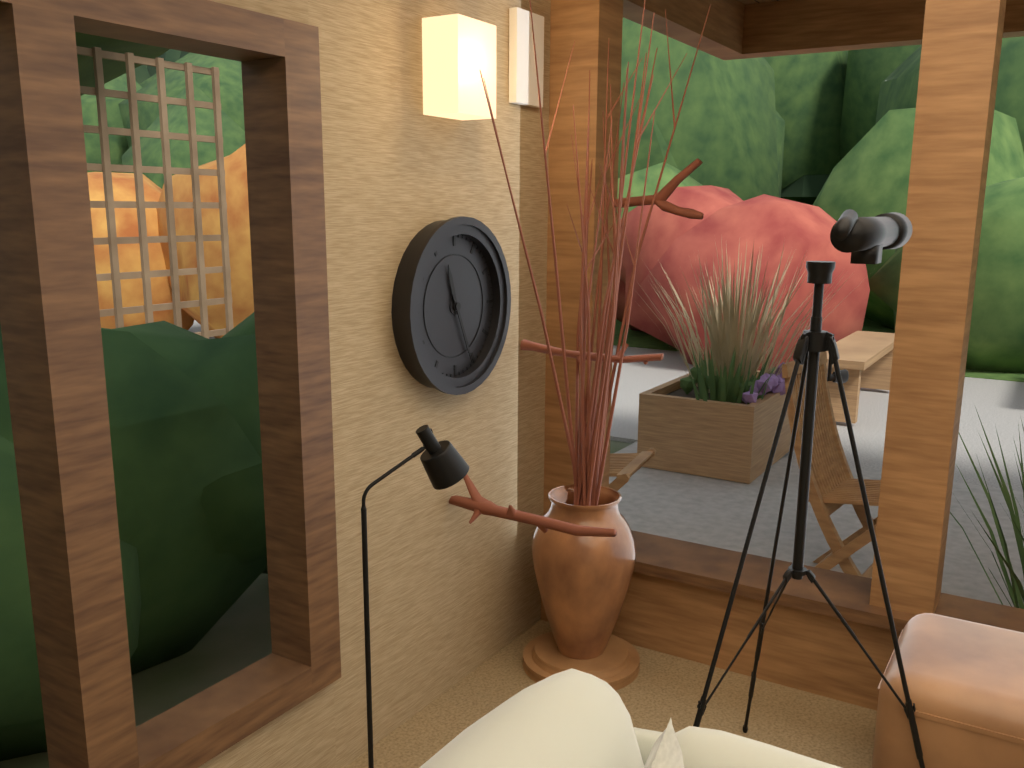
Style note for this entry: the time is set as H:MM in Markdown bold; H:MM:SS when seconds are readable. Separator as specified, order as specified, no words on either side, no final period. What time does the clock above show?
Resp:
**11:26**
